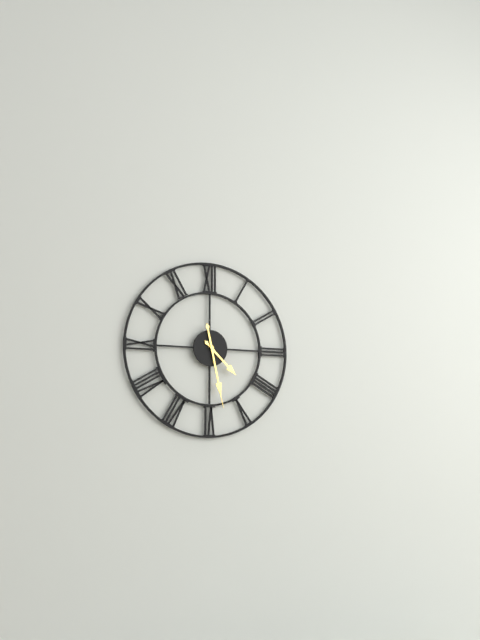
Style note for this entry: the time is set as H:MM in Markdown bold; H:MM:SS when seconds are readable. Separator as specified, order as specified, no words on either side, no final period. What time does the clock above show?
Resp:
**4:28**
